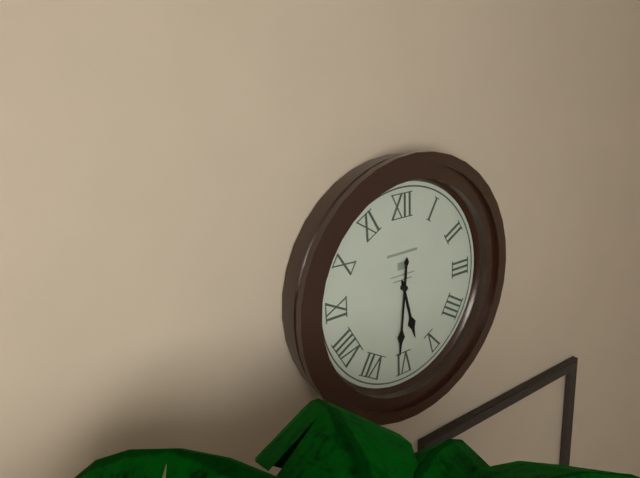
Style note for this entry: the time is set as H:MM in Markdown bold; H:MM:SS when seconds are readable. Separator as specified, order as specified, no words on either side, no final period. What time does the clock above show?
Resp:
**5:31**
